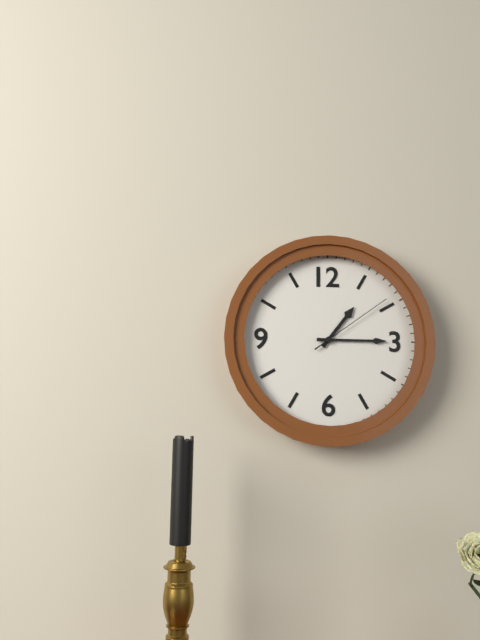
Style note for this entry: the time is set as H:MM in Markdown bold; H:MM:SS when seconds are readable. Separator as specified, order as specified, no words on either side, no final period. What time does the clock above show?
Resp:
**1:15:09**
